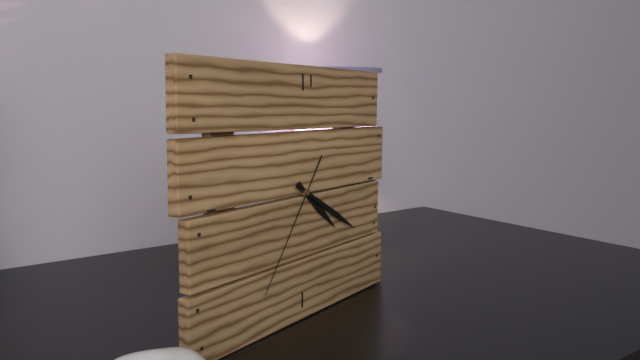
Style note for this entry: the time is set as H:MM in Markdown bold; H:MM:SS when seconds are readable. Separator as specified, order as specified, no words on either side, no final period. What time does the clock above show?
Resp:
**4:20:36**
